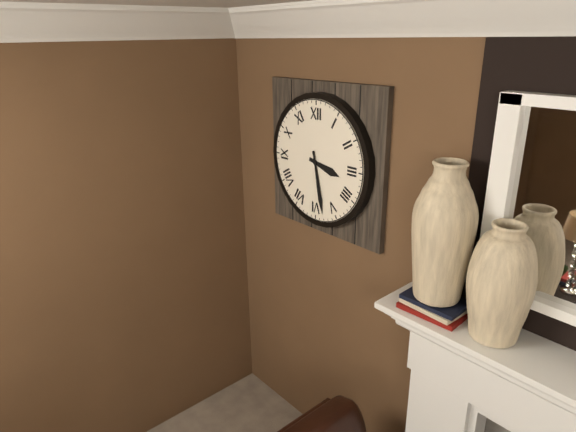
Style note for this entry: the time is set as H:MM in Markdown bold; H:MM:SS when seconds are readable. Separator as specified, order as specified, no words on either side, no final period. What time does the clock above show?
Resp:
**3:28**
